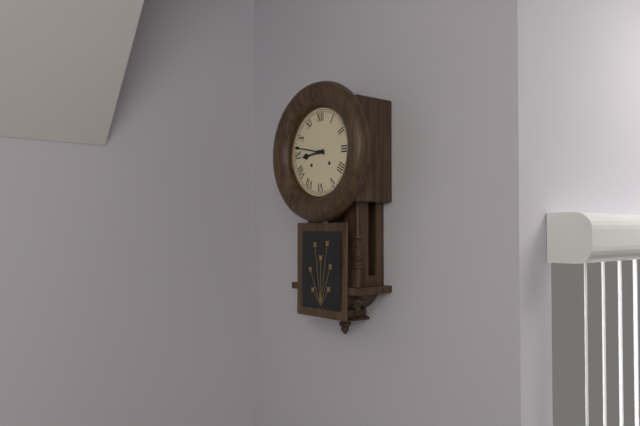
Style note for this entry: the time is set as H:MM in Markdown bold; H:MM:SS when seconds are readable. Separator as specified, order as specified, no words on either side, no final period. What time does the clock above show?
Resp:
**8:47**
